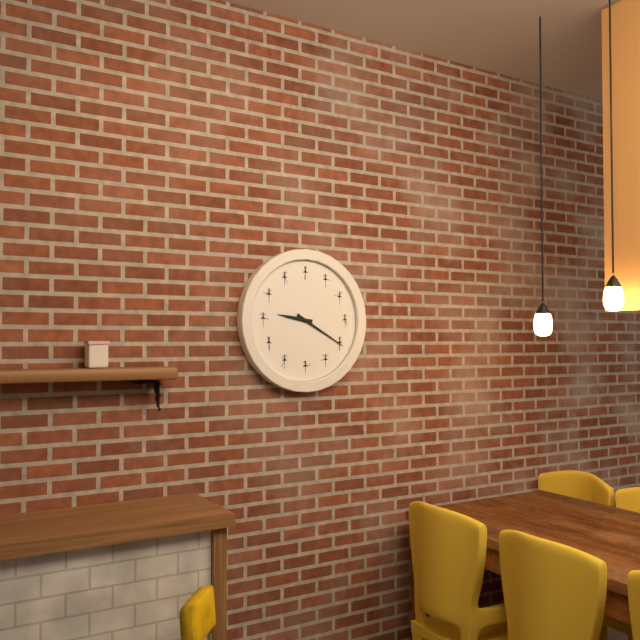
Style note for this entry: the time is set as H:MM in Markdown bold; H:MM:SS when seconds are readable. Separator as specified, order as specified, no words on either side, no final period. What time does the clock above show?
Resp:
**9:20**
